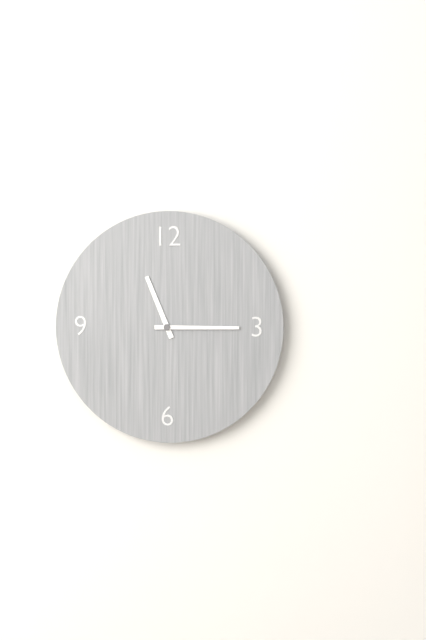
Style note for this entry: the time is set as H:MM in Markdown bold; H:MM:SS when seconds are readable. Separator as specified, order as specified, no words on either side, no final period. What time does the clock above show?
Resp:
**11:15**
